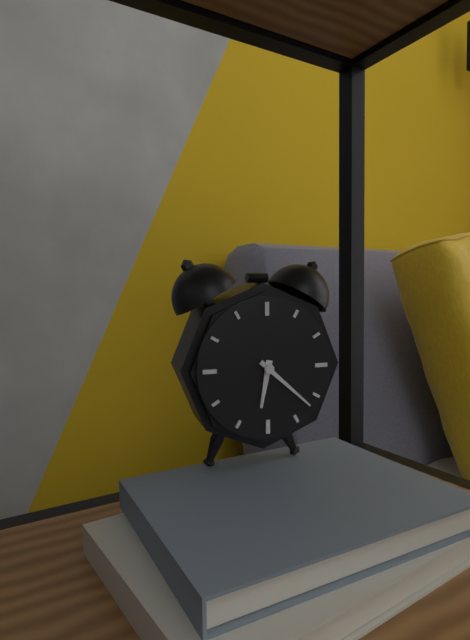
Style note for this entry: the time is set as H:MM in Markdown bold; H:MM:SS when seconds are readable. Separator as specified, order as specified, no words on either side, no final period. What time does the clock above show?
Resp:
**6:22**
